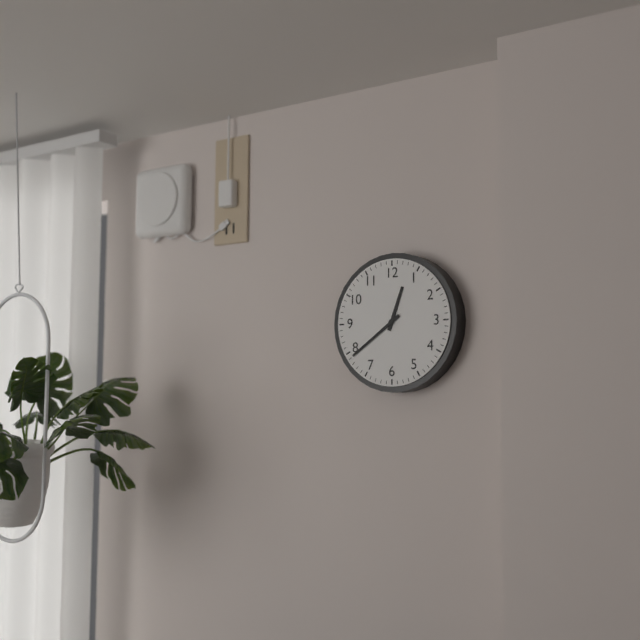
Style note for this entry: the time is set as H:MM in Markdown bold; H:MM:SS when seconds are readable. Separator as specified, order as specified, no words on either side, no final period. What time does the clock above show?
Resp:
**12:39**
